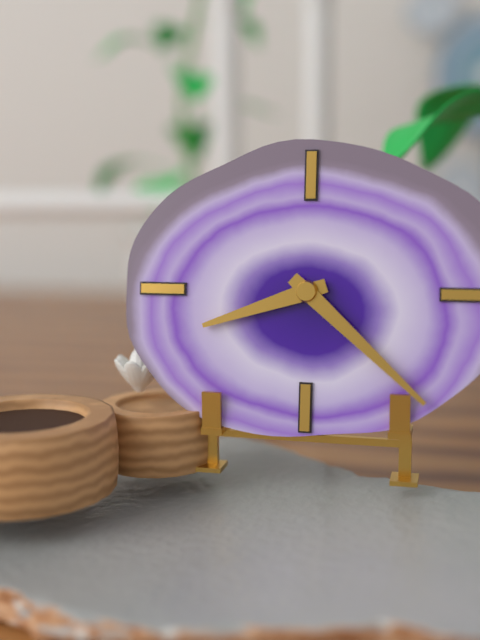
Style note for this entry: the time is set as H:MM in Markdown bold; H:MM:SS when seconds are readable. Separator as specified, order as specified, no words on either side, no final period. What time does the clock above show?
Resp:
**8:22**
